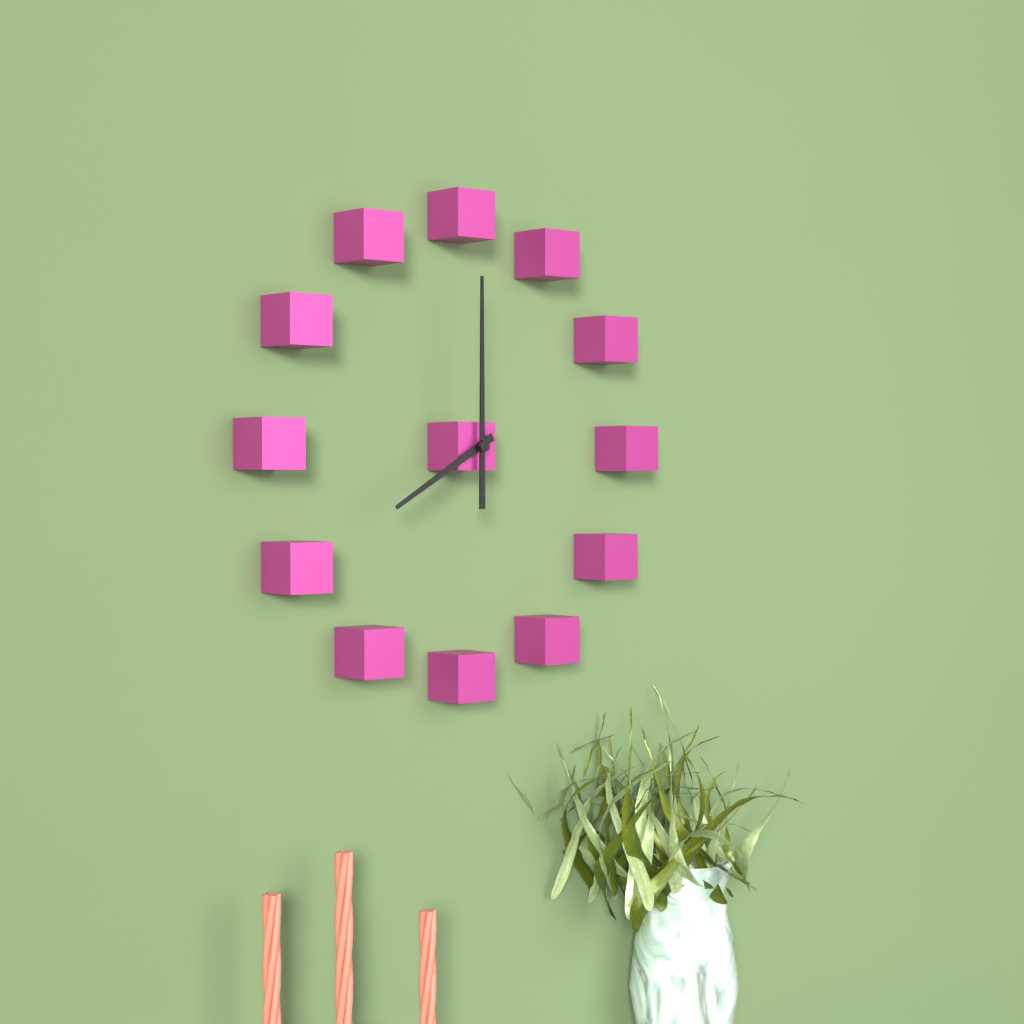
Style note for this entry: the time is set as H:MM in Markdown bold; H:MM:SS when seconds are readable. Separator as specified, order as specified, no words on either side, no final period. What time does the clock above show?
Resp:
**8:00**
